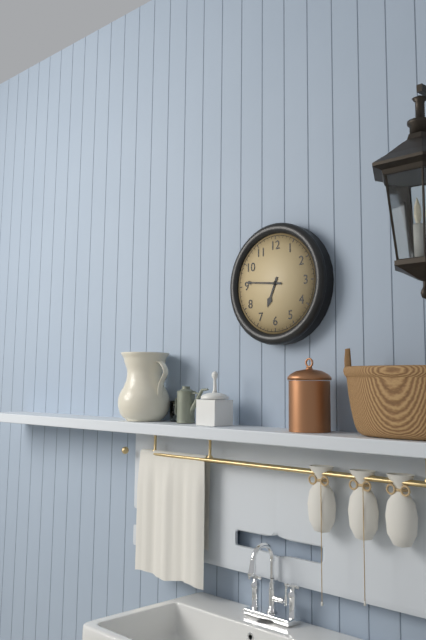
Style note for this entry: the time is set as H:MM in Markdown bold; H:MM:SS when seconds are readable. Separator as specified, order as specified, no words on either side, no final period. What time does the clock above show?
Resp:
**6:46**
